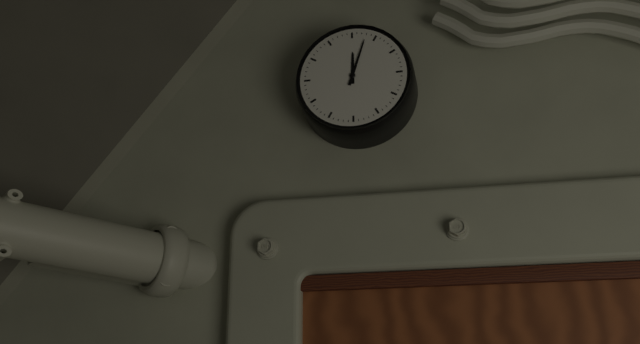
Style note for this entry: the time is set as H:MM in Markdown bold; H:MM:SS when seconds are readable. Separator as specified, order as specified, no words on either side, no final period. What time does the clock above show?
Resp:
**12:03**
